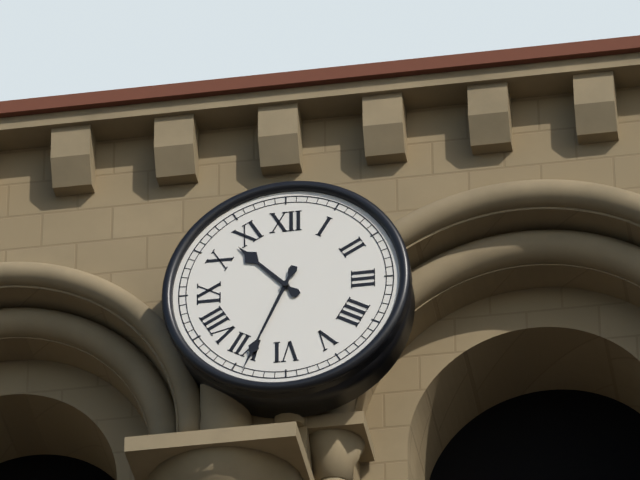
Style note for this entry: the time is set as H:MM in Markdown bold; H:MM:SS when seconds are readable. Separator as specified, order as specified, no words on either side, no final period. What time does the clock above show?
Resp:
**10:34**
